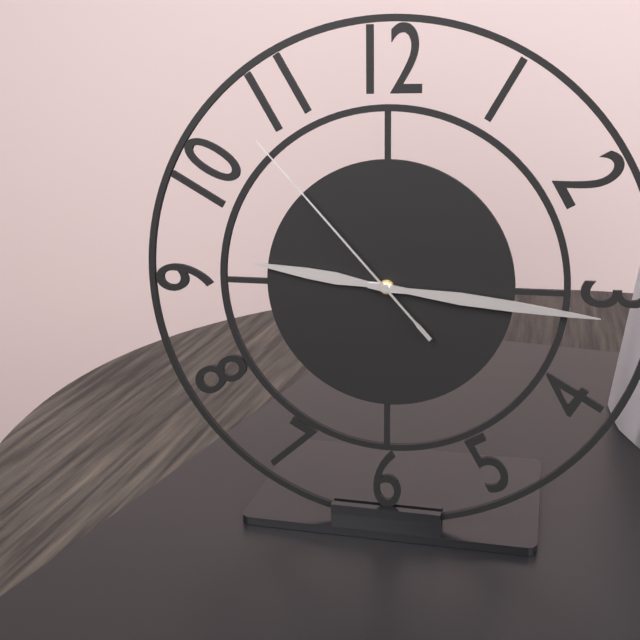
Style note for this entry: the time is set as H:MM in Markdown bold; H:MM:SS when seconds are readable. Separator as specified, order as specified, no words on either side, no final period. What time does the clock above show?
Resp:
**9:16:53**
